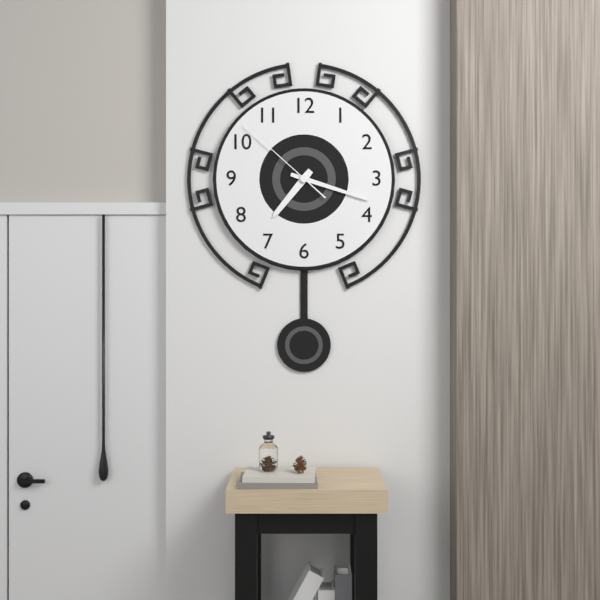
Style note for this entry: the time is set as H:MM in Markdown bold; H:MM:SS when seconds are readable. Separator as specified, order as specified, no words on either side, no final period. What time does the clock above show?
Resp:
**7:18:52**
